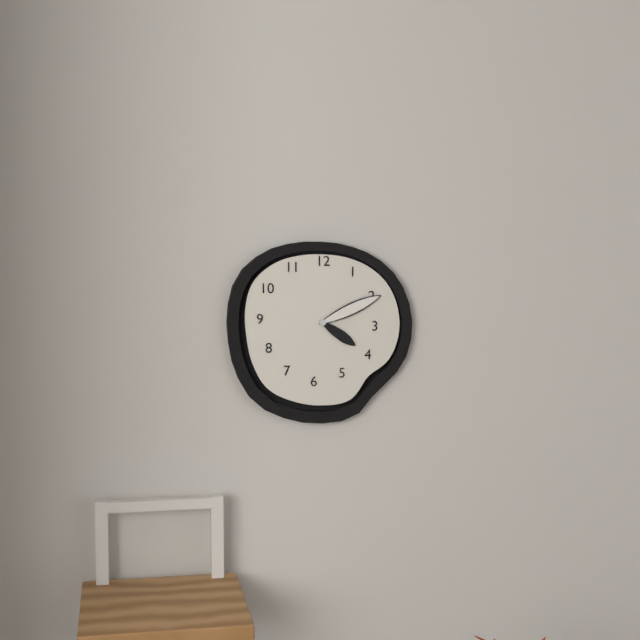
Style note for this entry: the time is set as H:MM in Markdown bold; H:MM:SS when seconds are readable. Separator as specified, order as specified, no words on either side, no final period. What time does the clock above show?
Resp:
**4:11**
